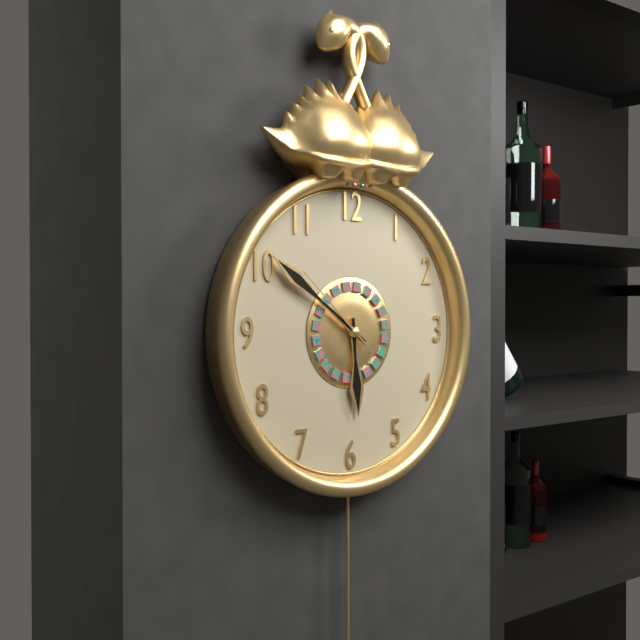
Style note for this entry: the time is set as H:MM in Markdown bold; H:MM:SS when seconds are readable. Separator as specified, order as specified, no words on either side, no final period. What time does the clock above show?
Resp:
**5:51:52**
